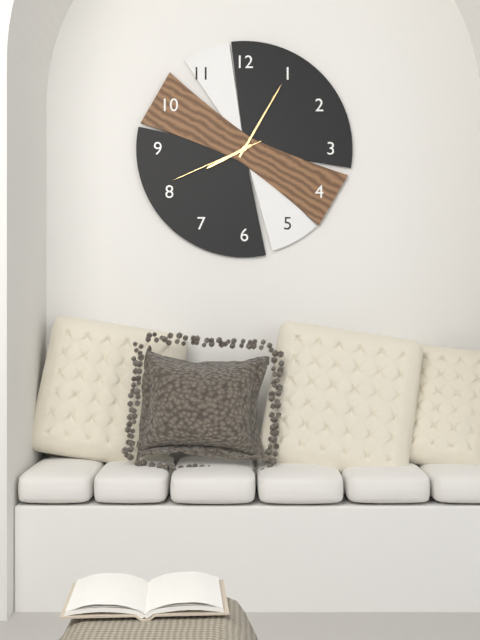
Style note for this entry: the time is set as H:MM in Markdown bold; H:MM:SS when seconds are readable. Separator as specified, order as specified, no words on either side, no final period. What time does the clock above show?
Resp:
**8:05:41**
